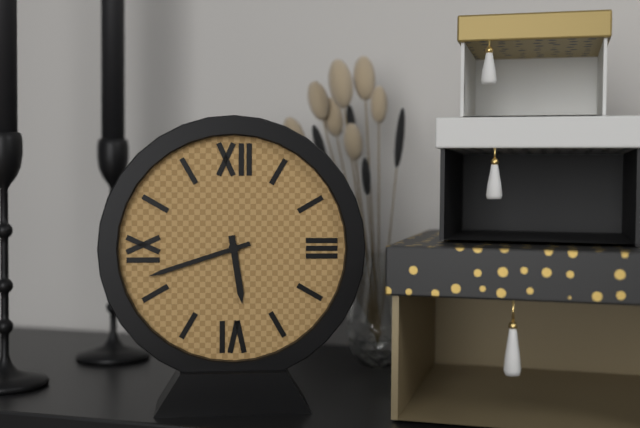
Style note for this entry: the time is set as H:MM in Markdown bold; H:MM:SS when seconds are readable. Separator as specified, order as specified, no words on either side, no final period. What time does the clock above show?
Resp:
**5:42**
